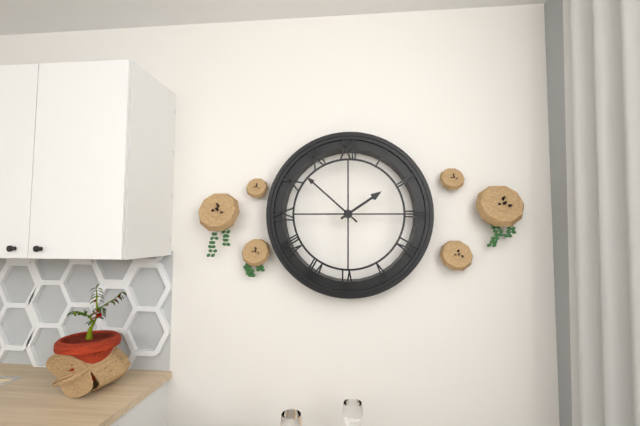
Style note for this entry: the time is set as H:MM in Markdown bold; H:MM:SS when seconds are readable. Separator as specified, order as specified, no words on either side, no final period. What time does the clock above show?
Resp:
**1:52**
